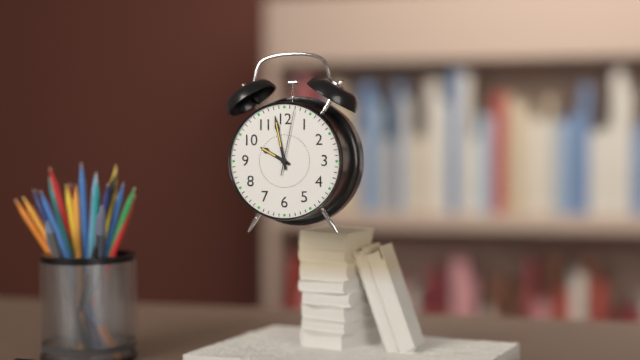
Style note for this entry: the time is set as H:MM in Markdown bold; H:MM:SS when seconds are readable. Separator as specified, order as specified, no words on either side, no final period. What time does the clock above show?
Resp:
**9:58:02**
